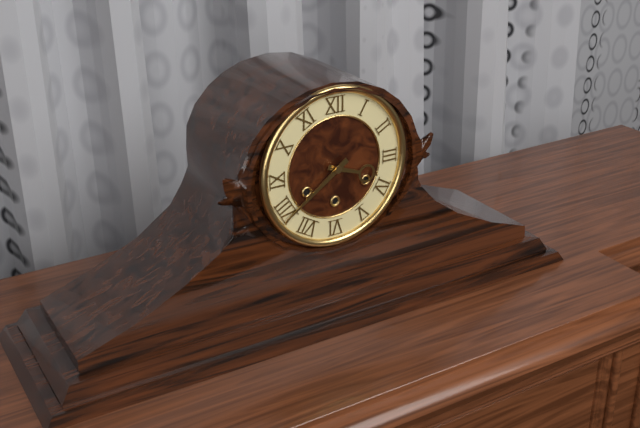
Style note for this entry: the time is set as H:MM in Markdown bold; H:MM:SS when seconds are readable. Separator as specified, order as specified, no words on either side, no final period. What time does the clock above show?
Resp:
**3:39**
